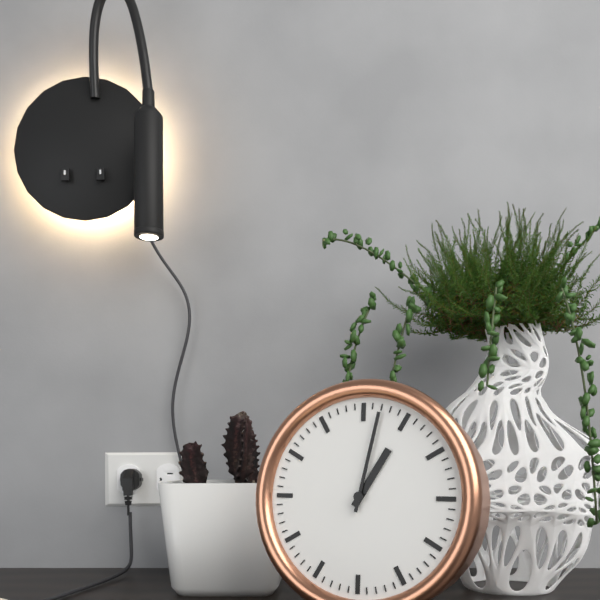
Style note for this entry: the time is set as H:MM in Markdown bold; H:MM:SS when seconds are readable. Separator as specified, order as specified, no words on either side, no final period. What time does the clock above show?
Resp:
**1:02**
